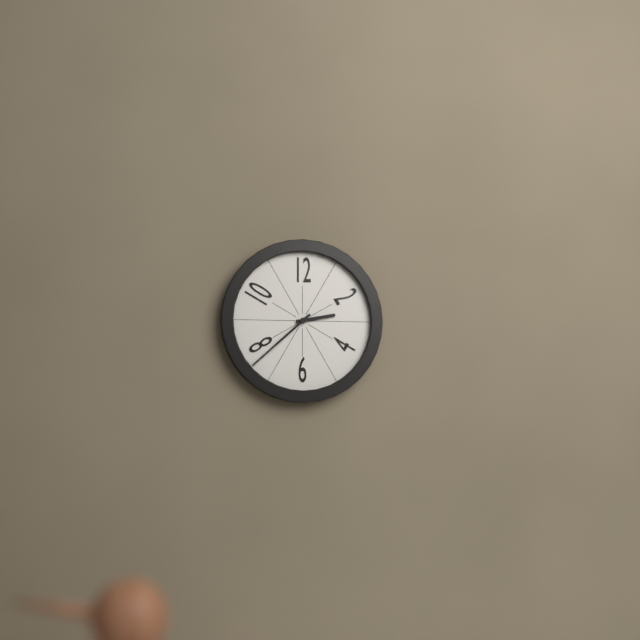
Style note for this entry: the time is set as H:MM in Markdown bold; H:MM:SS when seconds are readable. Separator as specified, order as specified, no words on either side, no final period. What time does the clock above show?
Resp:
**2:38**
